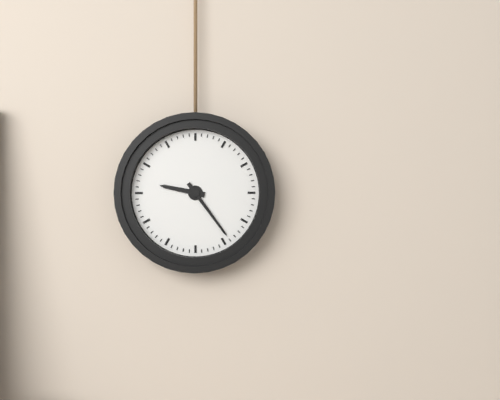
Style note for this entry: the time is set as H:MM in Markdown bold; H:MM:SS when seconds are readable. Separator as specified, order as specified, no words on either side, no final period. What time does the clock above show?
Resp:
**9:24**
